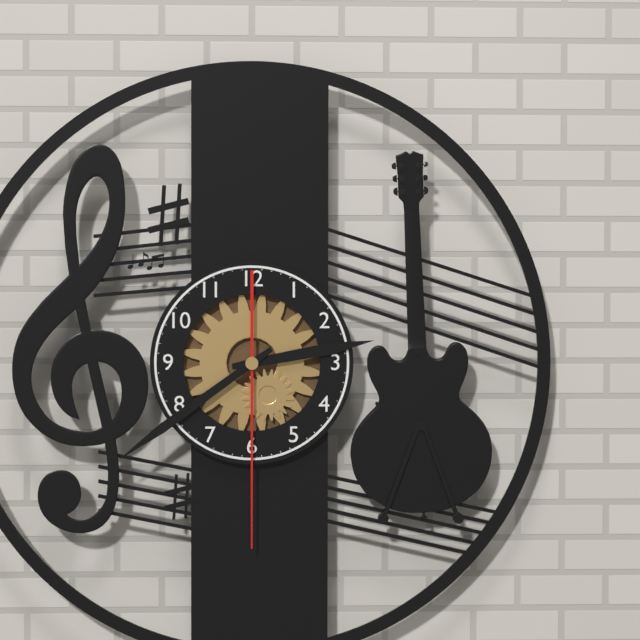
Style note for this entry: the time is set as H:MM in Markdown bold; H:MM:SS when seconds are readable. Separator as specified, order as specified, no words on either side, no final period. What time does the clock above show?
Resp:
**2:39:30**
